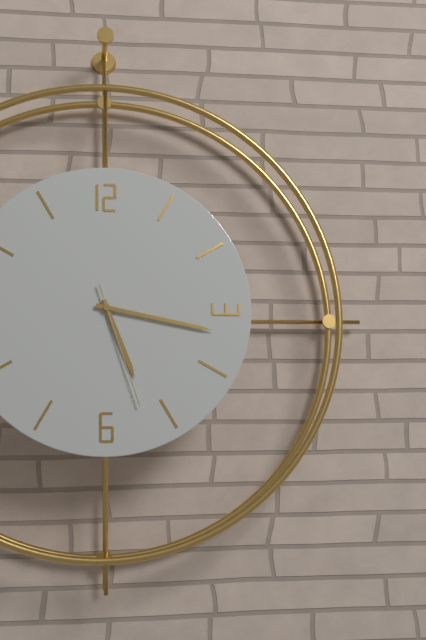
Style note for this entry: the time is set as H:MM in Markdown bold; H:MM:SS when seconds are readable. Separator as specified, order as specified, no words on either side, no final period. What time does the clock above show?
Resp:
**5:17:27**
